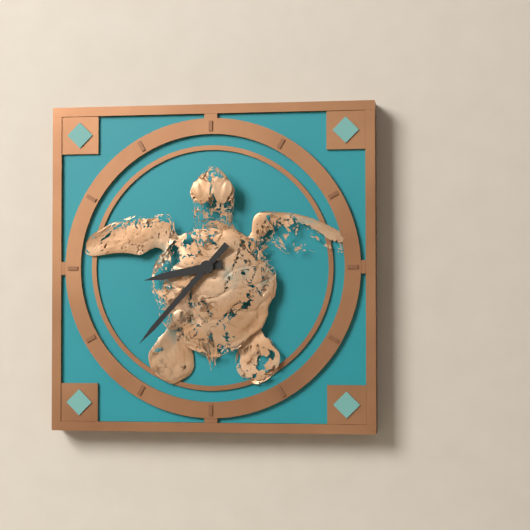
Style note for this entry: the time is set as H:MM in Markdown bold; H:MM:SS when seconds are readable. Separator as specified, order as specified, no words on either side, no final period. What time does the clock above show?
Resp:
**8:37**
